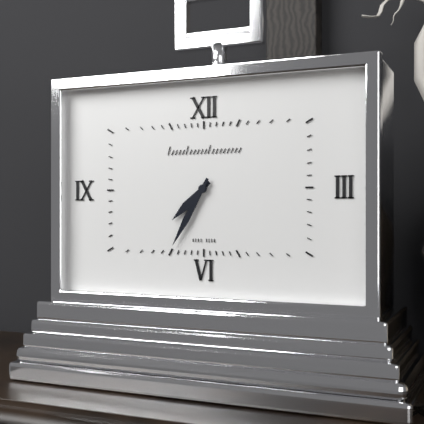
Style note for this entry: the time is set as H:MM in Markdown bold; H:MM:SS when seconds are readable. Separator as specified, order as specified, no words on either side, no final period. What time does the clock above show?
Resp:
**7:35**
